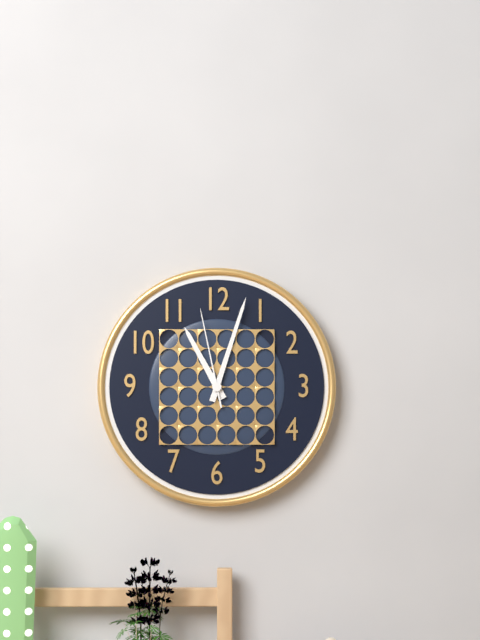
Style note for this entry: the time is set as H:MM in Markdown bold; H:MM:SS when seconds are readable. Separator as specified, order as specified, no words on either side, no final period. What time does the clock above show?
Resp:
**11:03:58**
